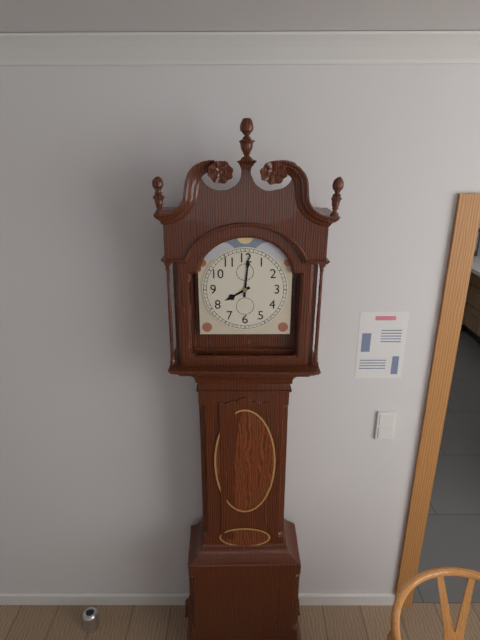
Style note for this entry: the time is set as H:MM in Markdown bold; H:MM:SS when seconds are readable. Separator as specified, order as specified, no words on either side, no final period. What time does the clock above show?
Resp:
**8:01**
